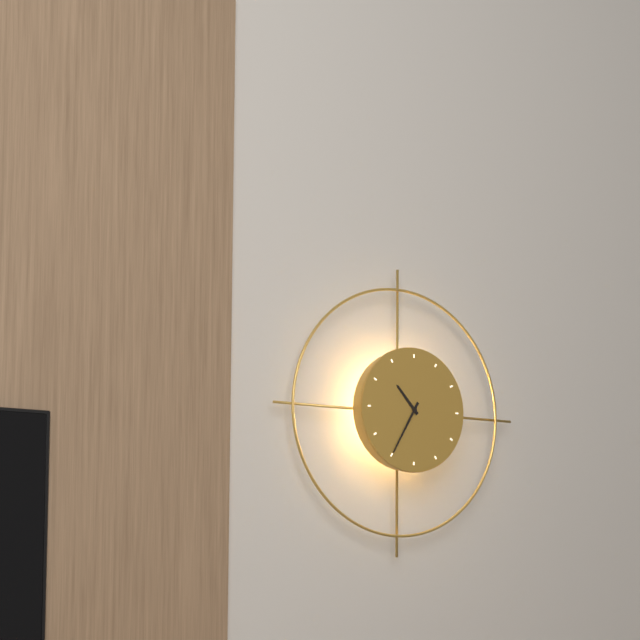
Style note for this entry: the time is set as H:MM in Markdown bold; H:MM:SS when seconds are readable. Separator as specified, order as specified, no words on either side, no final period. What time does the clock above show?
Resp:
**10:35**
